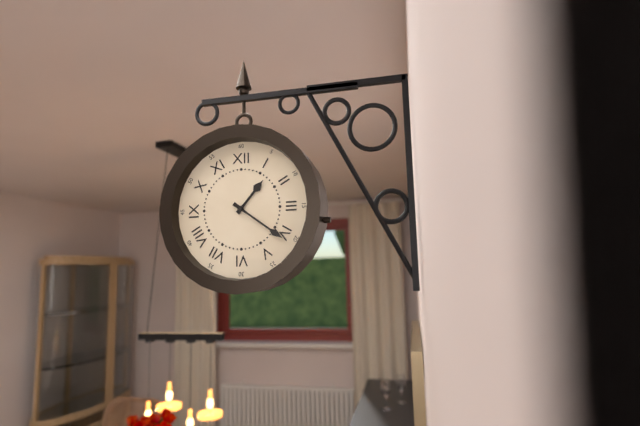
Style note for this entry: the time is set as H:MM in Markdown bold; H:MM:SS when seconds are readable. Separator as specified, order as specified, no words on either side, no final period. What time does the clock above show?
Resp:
**1:21**
